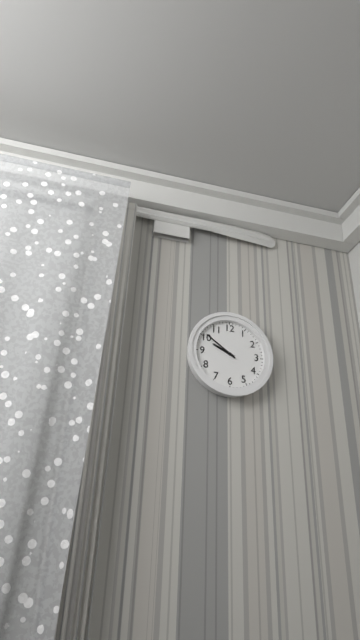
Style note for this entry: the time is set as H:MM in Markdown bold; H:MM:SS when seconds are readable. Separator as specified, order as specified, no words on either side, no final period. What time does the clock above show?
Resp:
**9:51**
